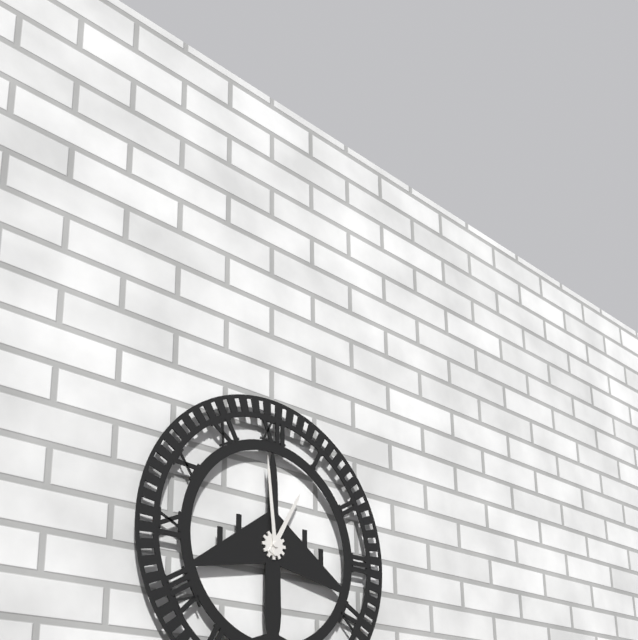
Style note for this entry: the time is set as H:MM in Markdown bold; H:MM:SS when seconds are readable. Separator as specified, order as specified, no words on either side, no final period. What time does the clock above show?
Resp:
**12:59**
